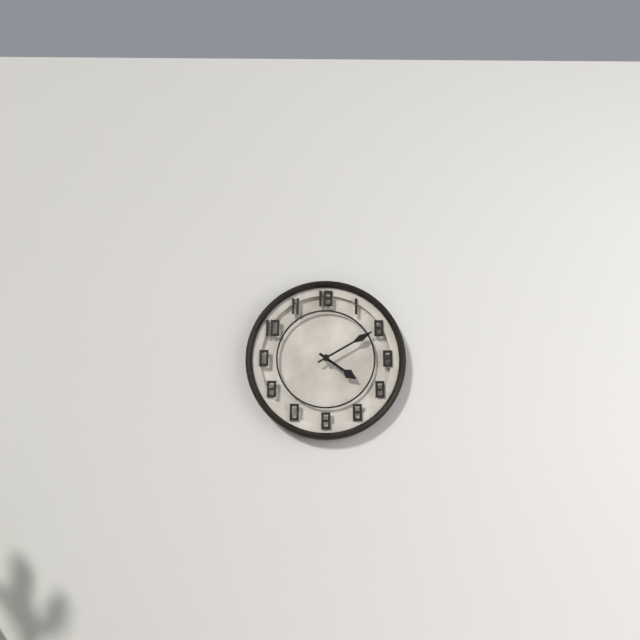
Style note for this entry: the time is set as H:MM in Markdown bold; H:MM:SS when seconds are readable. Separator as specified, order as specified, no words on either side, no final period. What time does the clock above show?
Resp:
**4:10**
